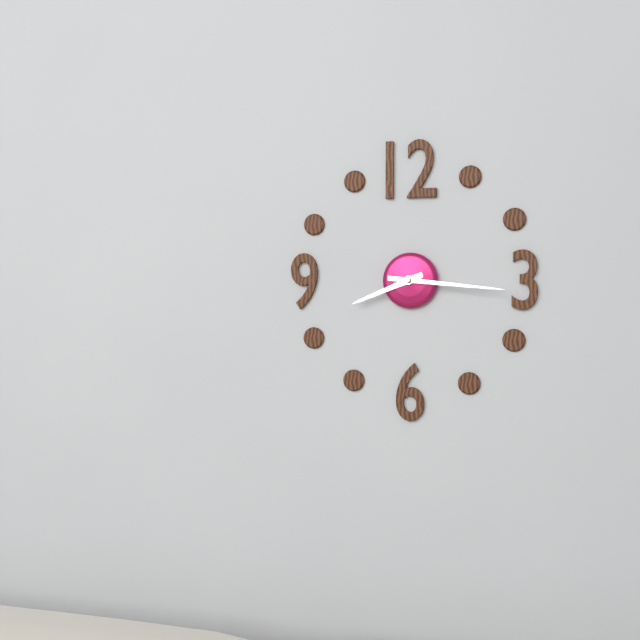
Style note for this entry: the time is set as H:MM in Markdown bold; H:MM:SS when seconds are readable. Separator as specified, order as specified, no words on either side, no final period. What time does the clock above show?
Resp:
**8:16**
